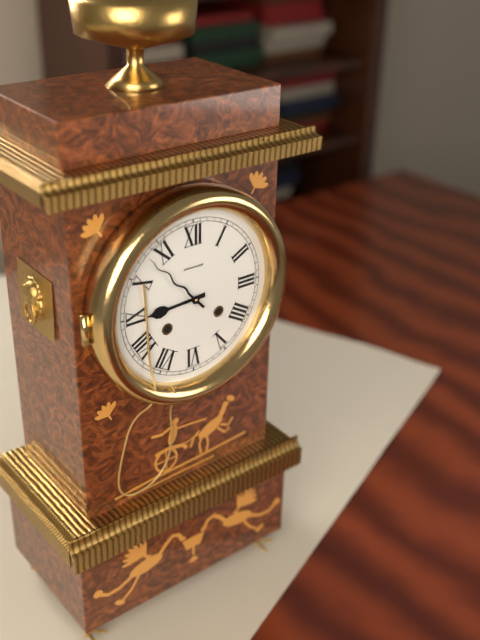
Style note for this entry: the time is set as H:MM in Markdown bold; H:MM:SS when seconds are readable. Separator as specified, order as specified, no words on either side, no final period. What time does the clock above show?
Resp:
**8:53**
